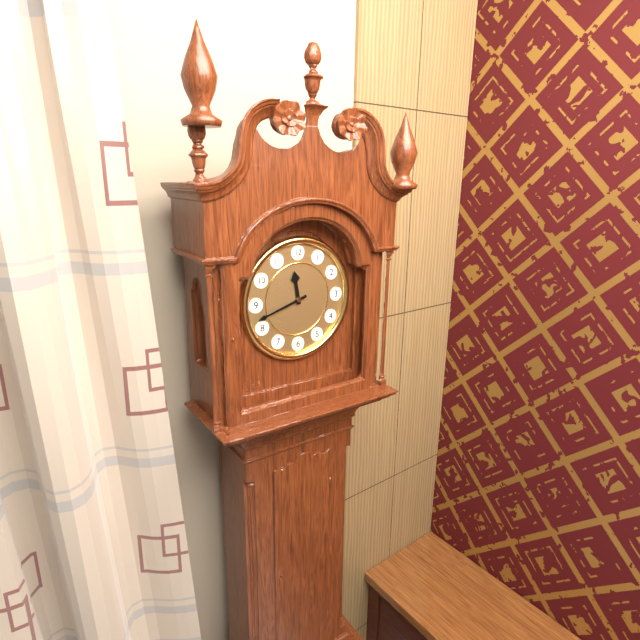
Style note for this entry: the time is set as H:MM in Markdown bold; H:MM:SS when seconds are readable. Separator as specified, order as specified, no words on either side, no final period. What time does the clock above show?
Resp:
**11:42**
